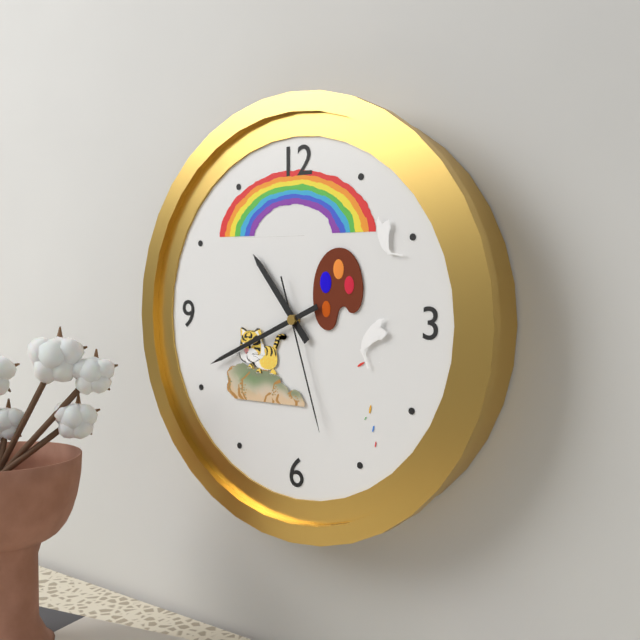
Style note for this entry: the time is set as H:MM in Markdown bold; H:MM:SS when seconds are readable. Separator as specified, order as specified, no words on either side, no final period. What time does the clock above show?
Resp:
**10:41:27**
